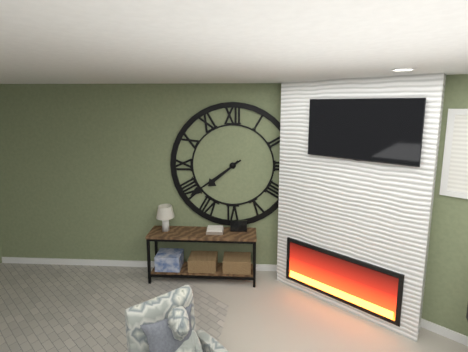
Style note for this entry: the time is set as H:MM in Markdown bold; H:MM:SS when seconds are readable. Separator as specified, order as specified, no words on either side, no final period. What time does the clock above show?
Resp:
**7:39**
